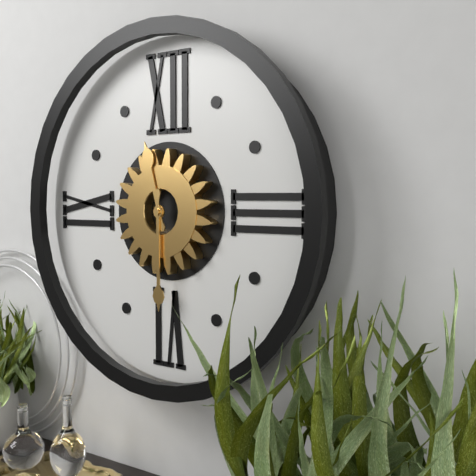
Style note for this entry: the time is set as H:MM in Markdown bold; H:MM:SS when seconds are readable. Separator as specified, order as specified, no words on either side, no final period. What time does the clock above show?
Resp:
**11:30**
